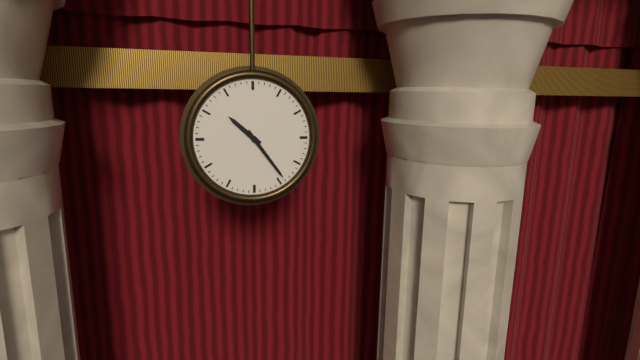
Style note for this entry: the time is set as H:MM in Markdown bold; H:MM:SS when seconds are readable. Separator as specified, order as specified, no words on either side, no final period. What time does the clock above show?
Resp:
**10:24**
